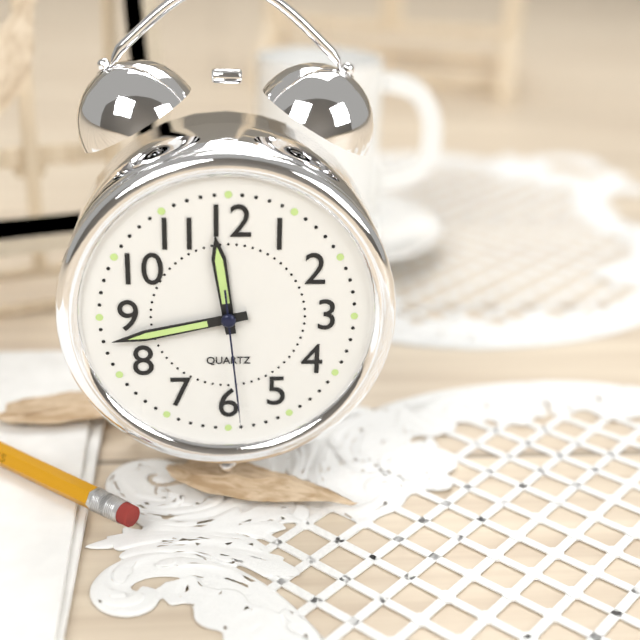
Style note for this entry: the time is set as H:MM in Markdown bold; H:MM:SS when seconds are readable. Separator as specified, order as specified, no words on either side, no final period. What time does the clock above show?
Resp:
**11:43:29**
